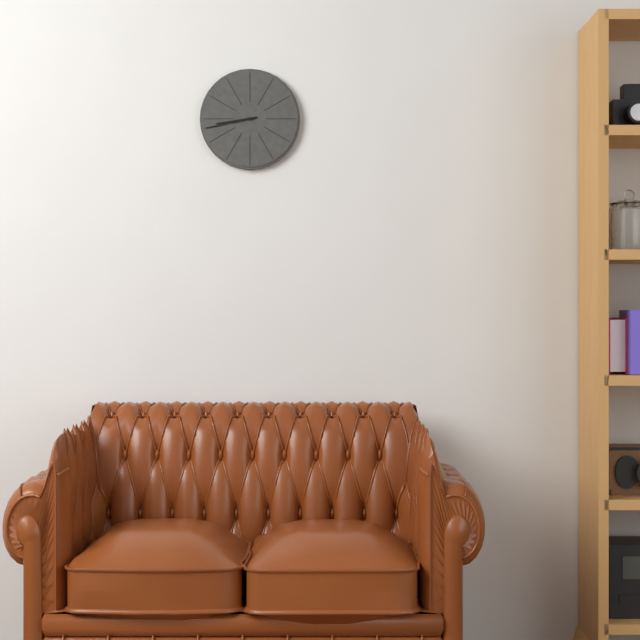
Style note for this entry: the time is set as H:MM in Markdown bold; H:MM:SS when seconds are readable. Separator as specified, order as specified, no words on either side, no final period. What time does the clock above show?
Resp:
**8:43**
